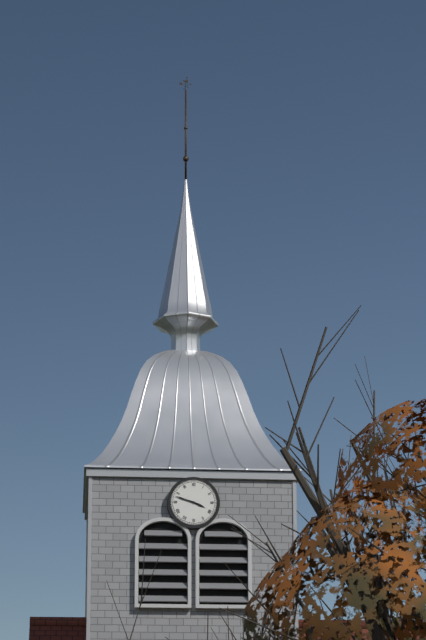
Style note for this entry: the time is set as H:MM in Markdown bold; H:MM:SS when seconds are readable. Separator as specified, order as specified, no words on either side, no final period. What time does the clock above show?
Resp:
**3:48**
